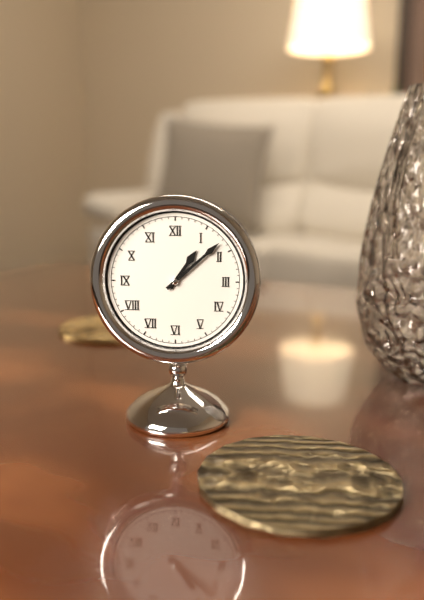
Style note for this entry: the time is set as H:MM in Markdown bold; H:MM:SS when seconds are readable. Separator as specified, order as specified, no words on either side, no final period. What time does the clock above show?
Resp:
**1:08**
